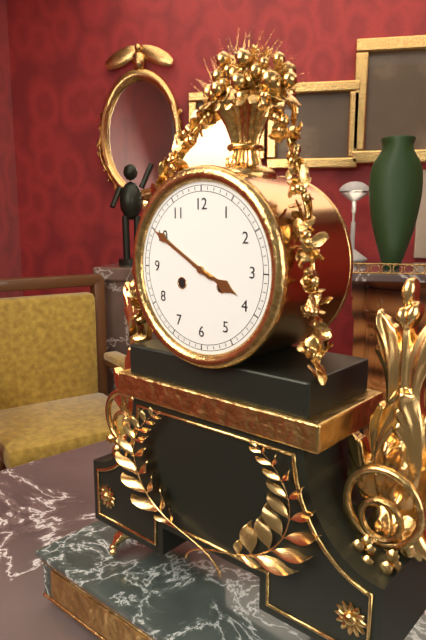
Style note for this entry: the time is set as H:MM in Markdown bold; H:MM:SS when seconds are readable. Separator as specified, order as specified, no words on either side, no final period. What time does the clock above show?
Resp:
**3:50**
